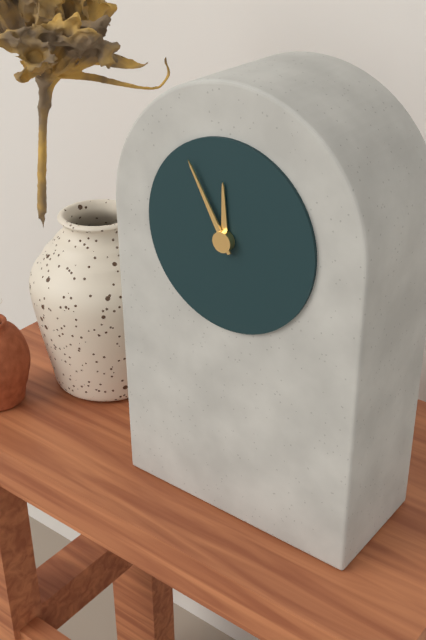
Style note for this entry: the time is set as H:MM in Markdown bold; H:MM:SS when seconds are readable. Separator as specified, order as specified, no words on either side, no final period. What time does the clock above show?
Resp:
**11:55**
